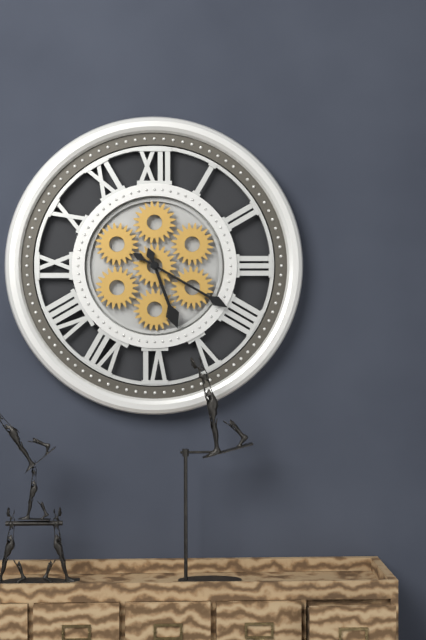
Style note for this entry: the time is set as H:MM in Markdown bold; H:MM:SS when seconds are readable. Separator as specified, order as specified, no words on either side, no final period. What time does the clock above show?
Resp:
**5:20**
